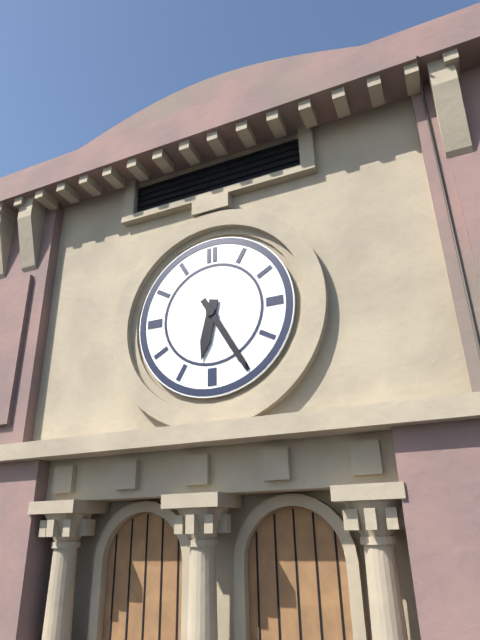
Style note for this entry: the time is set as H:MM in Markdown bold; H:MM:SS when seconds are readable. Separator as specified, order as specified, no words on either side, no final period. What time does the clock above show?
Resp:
**6:25**
